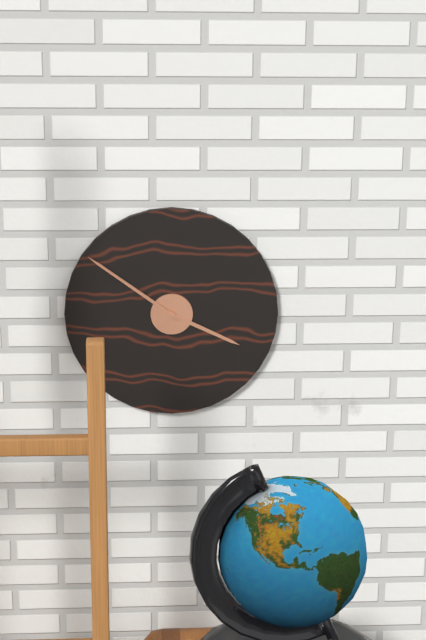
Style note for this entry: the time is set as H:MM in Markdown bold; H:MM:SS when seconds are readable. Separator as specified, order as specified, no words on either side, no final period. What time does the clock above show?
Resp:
**3:51**
